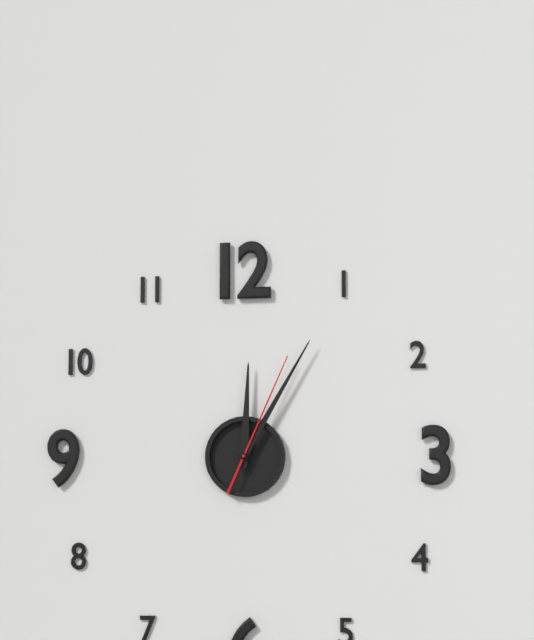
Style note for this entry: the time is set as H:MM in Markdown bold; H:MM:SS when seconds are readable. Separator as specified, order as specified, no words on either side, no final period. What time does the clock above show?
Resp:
**12:05:04**
